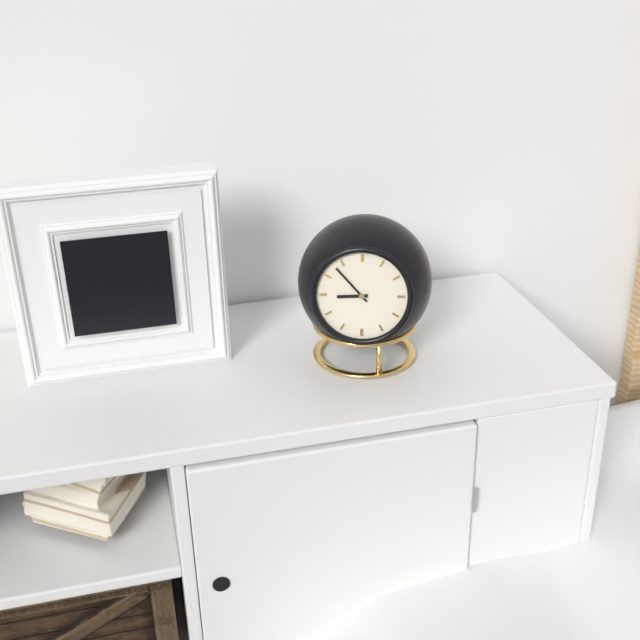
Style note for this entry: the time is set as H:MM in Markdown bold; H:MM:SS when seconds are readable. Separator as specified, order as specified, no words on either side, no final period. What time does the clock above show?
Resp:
**8:53**
